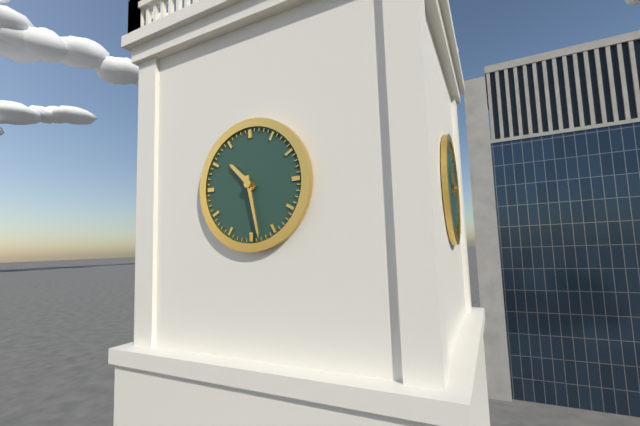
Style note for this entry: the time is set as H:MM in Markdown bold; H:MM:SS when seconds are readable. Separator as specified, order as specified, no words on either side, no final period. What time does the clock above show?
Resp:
**10:28**
